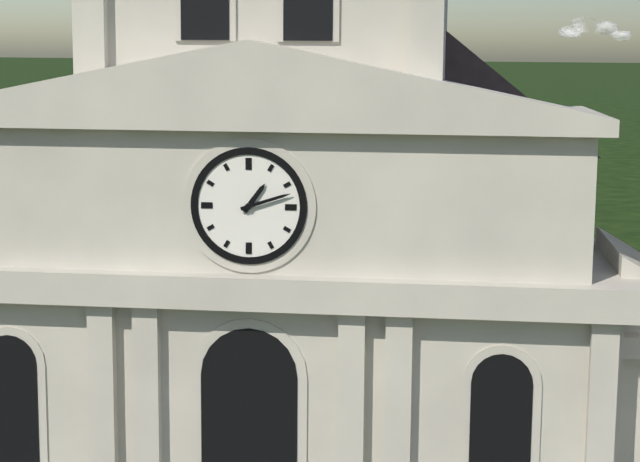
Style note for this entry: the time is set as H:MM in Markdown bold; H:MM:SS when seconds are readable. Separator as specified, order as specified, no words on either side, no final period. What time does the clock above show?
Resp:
**1:12**
